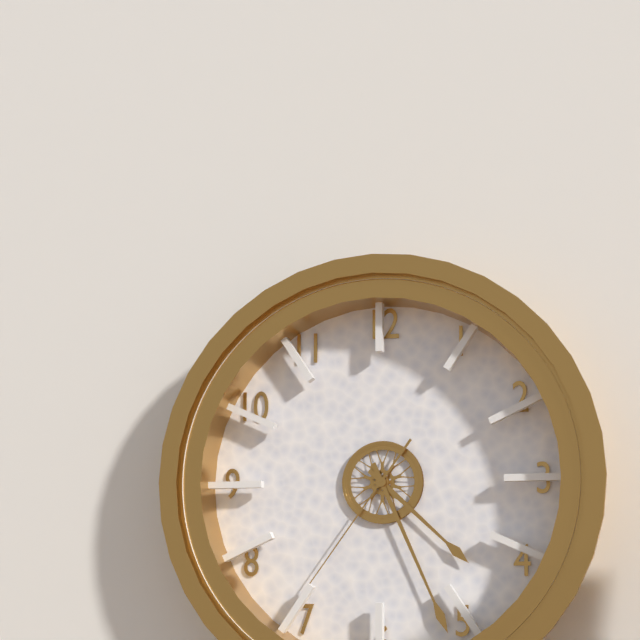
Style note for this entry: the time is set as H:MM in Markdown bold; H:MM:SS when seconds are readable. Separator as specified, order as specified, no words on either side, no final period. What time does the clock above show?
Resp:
**4:26:36**
